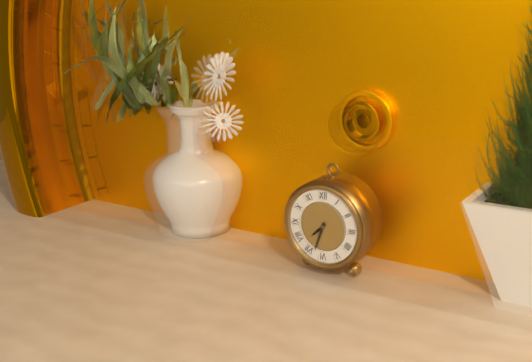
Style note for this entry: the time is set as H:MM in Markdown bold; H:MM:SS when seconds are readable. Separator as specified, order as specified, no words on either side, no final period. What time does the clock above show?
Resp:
**7:33**
